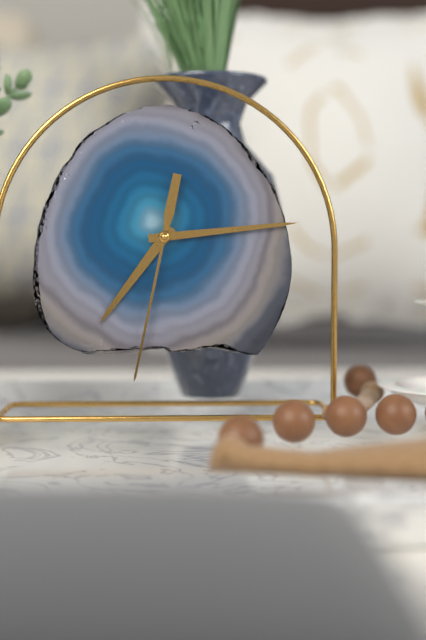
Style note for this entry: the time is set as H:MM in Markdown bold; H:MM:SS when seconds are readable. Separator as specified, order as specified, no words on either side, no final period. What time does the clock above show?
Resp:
**7:14:32**
